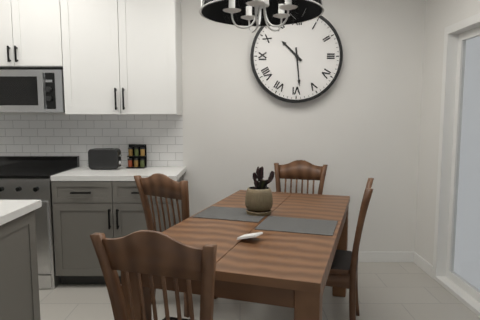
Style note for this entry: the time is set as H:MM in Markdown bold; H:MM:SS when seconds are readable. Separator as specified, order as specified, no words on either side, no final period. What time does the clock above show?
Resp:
**10:29**
